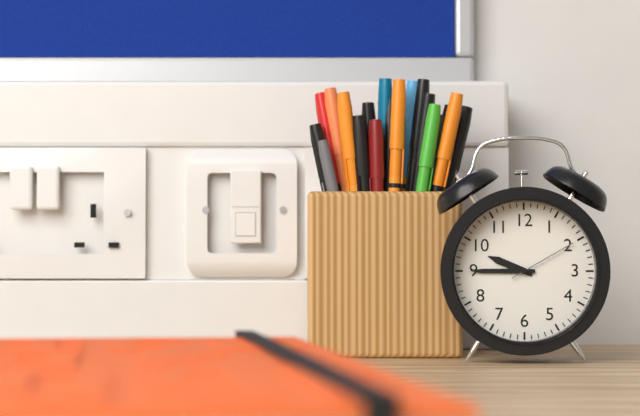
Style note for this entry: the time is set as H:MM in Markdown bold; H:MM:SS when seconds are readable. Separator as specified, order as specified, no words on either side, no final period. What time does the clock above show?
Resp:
**9:45:10**
